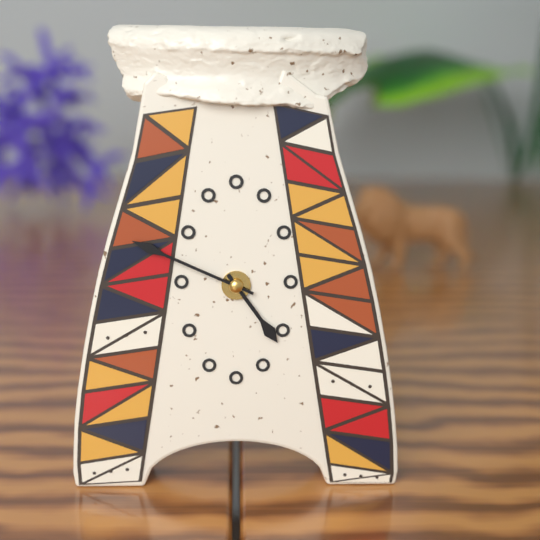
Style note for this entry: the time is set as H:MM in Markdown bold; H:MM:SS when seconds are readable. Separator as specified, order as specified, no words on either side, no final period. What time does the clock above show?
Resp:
**4:49**
